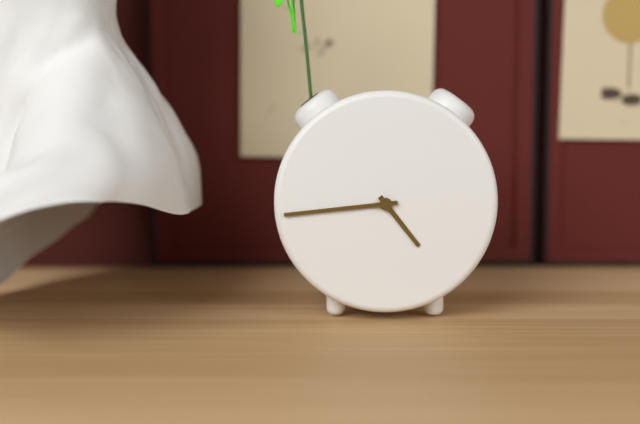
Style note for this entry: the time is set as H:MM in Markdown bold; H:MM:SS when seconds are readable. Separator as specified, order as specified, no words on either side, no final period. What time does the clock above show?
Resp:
**4:44**
